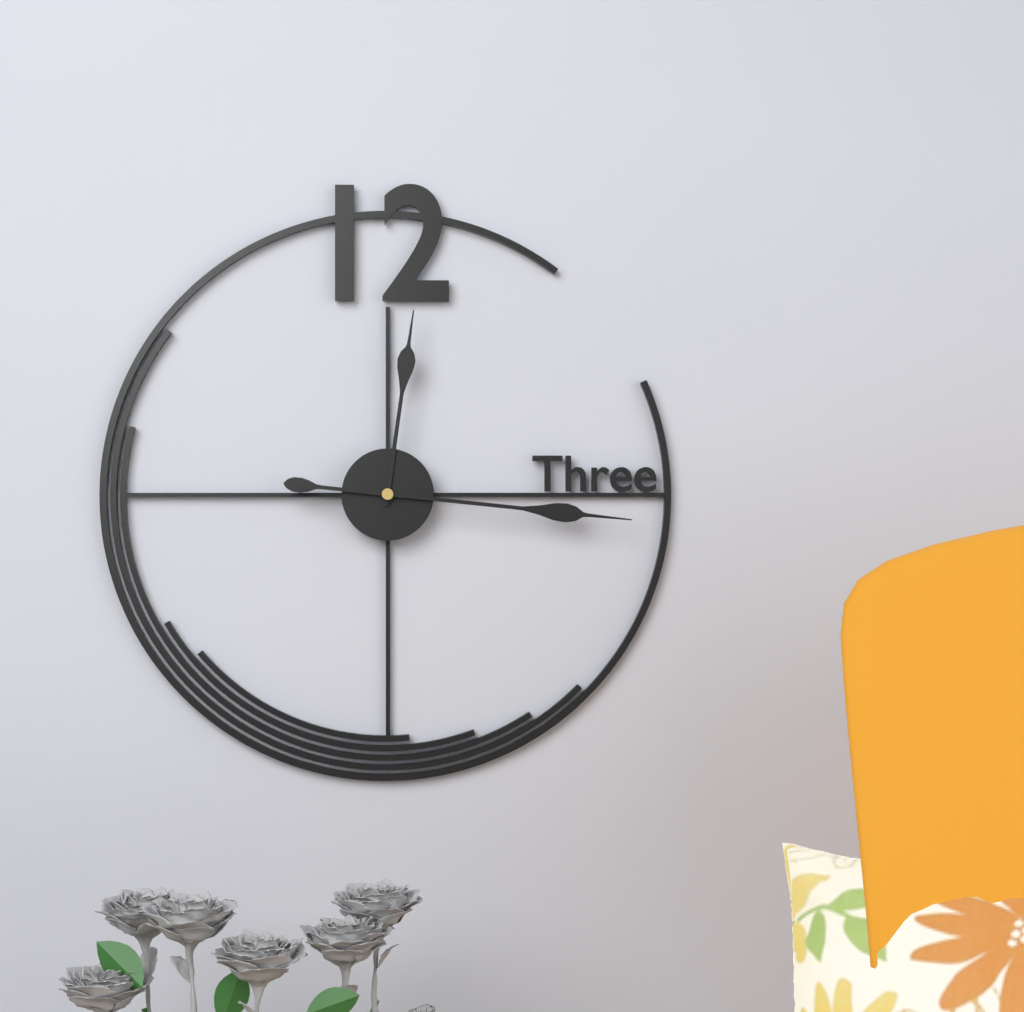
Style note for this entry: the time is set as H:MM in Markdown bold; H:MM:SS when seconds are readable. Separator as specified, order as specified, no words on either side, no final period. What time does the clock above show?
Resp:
**12:16**
